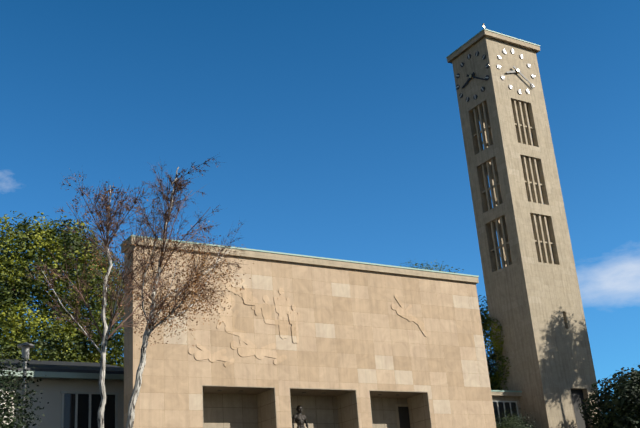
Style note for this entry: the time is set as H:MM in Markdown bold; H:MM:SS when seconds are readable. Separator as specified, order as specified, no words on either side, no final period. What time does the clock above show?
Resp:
**8:21**
